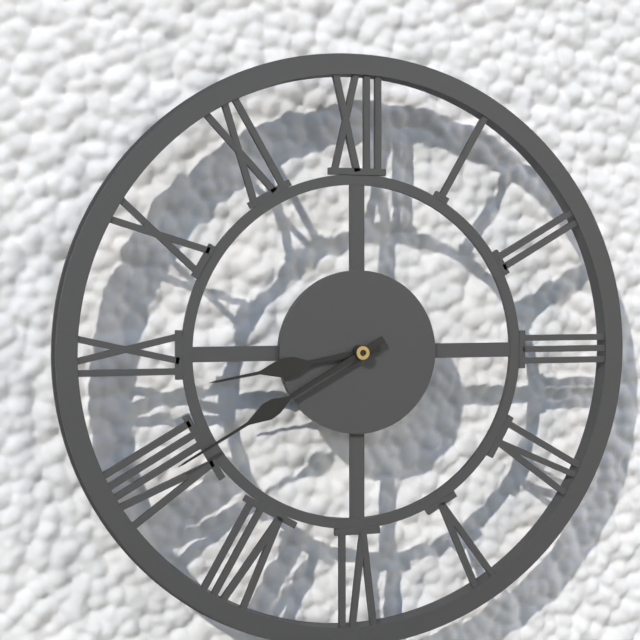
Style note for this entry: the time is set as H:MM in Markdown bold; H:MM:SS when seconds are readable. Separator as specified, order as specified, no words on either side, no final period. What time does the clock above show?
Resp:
**8:40**
